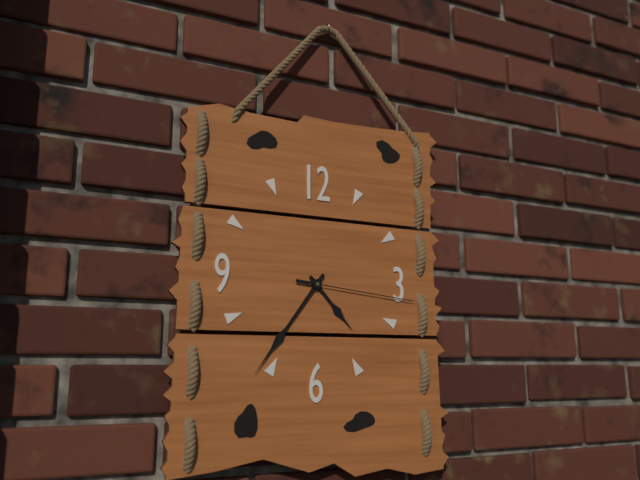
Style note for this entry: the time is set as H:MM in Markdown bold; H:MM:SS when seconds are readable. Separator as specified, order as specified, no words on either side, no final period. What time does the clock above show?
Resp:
**4:36:16**
